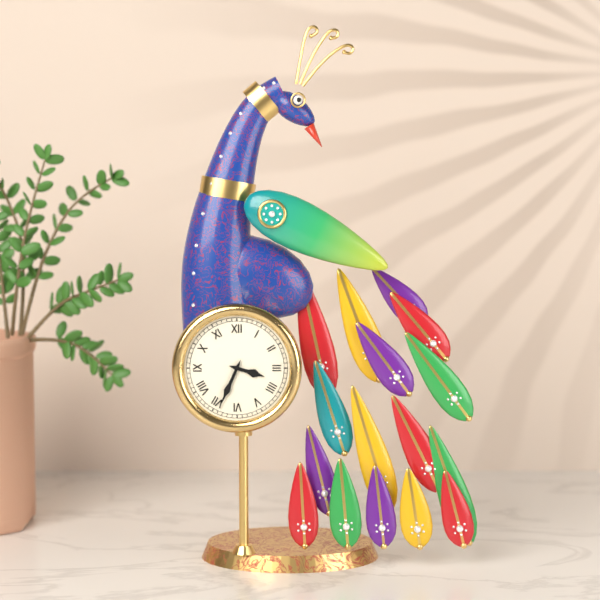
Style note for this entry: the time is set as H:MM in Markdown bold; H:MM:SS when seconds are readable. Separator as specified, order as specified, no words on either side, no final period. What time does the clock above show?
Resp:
**3:34**
